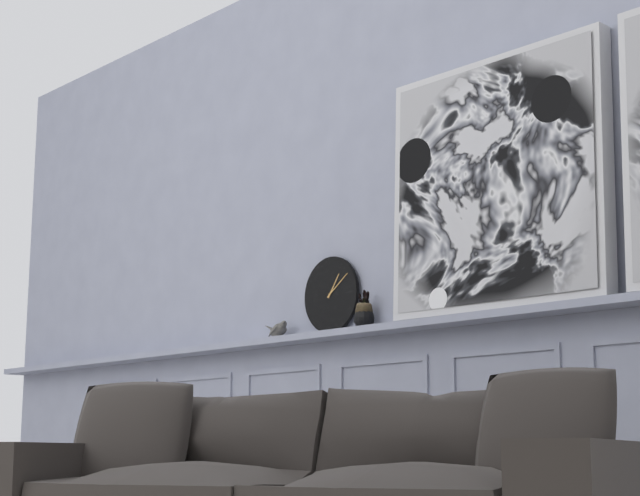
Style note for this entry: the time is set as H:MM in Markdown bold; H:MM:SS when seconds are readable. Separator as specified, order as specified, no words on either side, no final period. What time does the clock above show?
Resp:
**1:09**
